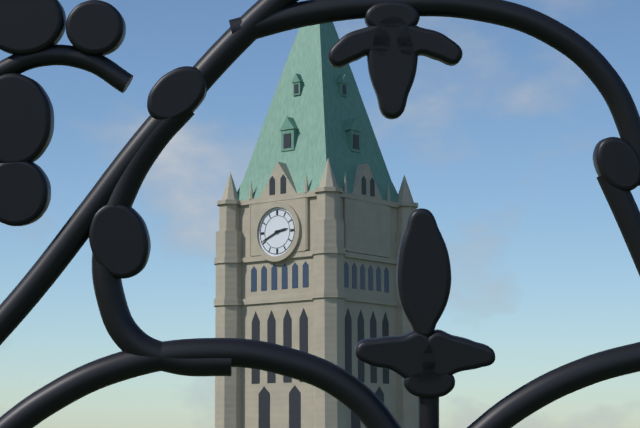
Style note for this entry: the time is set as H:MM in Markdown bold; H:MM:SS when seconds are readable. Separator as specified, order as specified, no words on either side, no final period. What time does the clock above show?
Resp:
**2:41**
